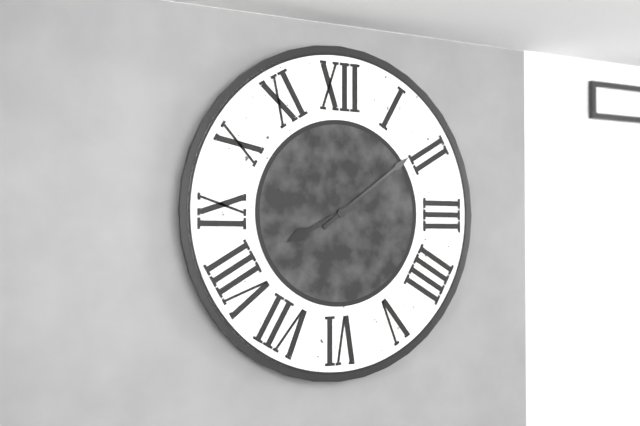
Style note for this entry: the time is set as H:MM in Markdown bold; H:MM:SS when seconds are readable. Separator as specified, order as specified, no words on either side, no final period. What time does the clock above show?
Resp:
**8:09**
